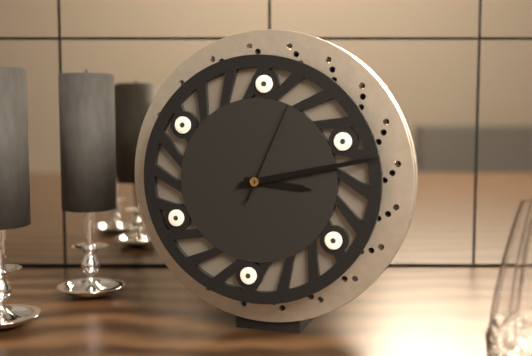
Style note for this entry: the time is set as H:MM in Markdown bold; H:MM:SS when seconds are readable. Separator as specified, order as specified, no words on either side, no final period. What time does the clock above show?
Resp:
**3:13:04**
